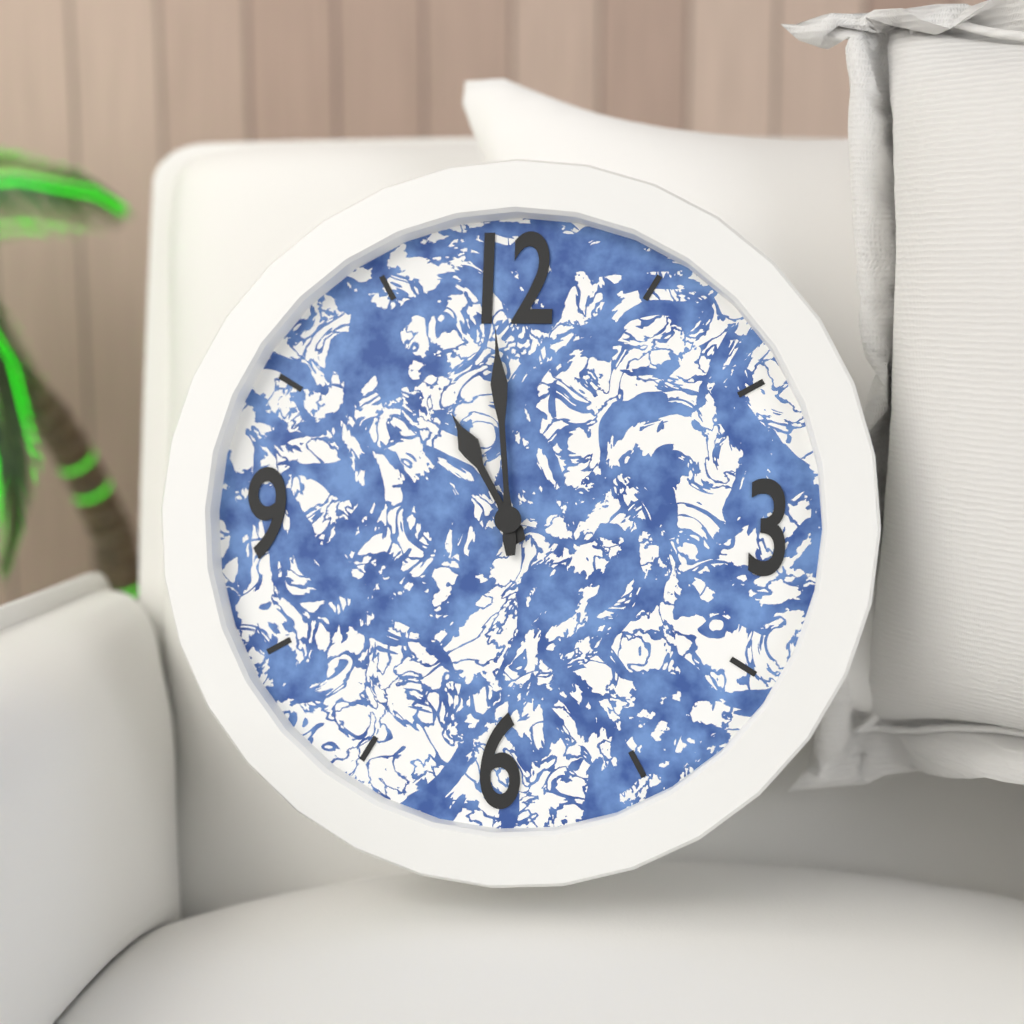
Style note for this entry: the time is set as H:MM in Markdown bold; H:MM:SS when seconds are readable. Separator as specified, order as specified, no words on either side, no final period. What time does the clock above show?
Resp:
**10:59**
